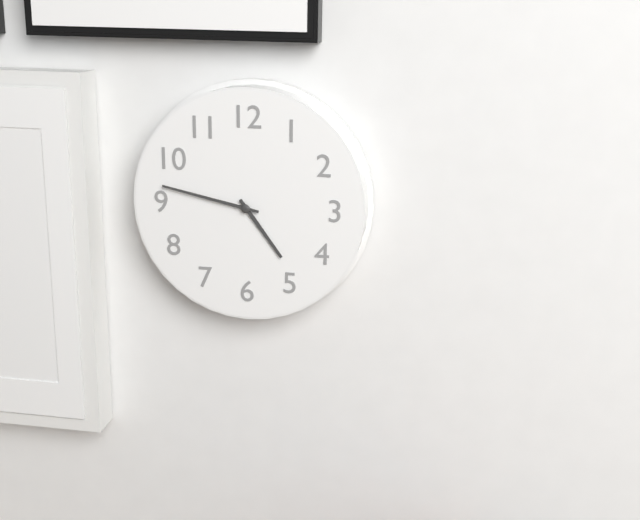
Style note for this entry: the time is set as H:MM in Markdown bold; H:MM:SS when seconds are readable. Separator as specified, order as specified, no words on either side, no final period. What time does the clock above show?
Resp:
**4:47**
